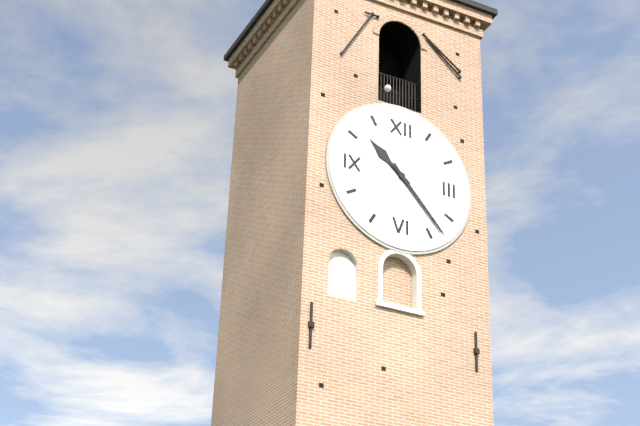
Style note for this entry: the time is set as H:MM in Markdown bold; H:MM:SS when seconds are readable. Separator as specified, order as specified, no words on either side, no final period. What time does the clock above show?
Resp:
**10:23**
